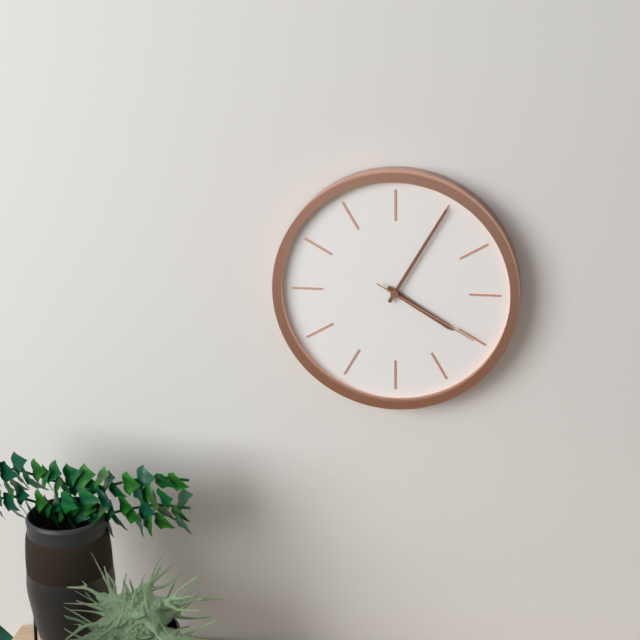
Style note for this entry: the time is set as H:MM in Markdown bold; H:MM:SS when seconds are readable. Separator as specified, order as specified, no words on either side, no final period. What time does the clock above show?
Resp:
**4:05:20**
